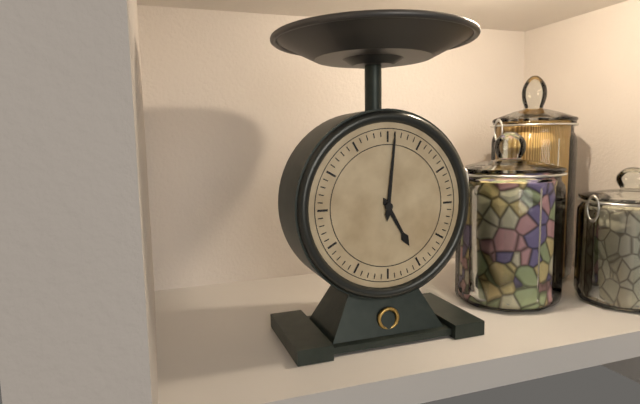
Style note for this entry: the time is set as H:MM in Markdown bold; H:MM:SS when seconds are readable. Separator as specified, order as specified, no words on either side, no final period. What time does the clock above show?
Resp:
**5:01**
